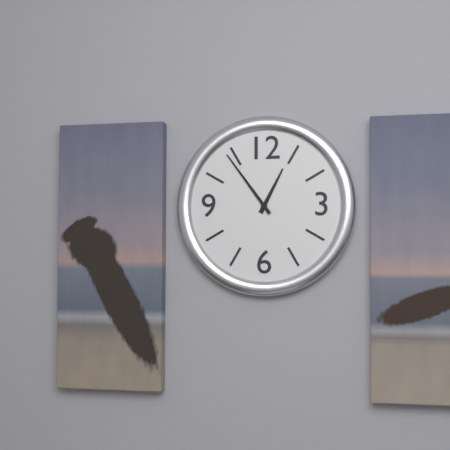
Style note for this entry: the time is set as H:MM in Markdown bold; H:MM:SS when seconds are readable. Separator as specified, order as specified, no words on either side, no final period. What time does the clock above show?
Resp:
**12:54**
